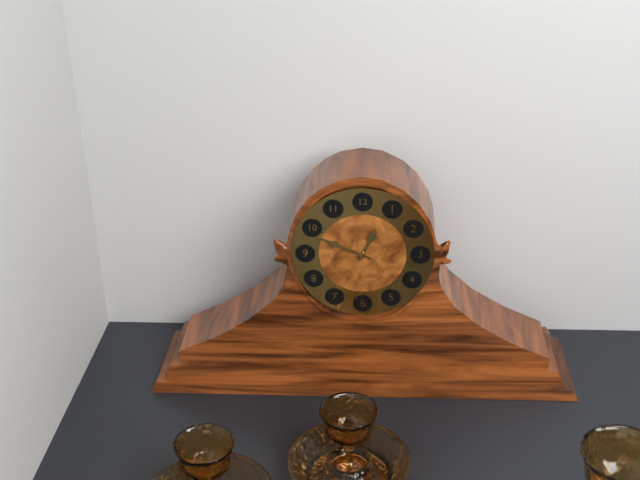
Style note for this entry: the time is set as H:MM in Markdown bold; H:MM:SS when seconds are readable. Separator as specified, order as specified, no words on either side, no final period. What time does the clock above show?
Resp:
**12:49**
